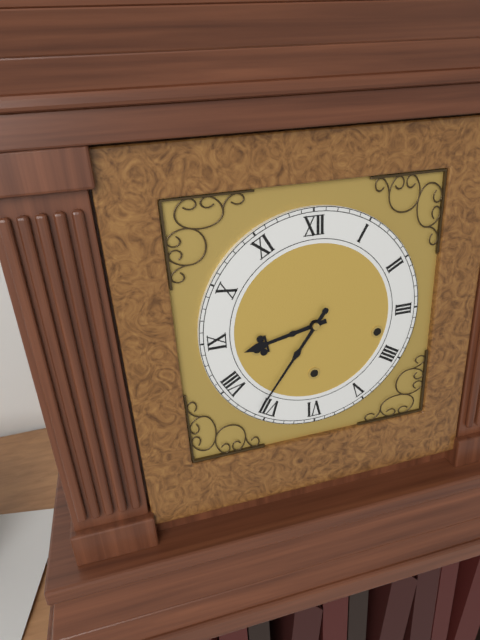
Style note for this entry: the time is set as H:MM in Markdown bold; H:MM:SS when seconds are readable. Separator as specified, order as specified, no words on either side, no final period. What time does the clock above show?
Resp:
**8:36**
